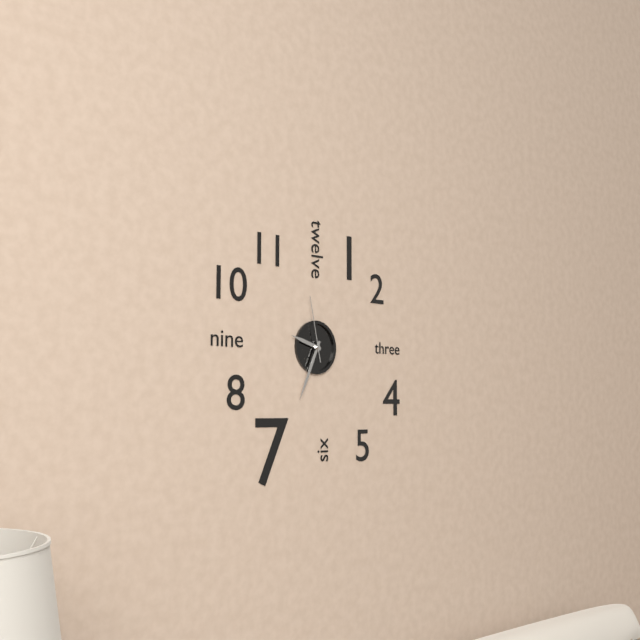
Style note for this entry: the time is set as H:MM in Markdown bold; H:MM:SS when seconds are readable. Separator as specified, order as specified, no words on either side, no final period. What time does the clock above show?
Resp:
**9:34:58**
